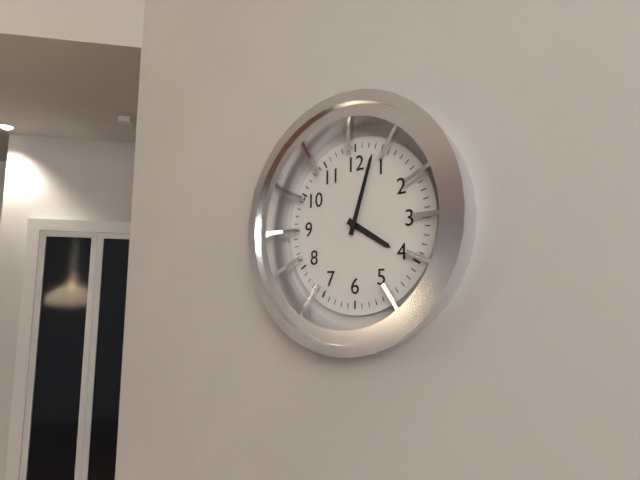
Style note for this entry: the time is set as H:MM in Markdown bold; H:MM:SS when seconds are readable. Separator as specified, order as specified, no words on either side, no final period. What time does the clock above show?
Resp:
**4:03**
